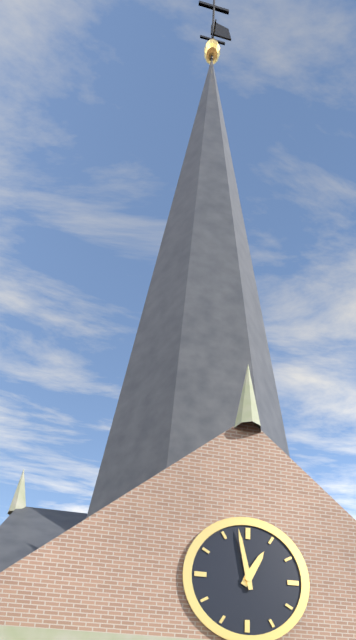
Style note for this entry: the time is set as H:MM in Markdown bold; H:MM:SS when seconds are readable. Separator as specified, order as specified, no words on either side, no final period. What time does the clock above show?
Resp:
**12:58**
